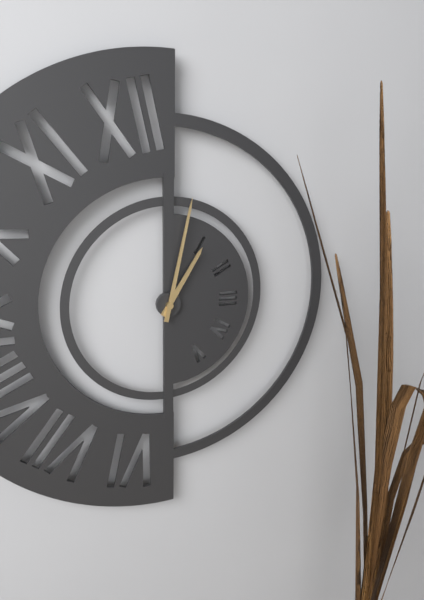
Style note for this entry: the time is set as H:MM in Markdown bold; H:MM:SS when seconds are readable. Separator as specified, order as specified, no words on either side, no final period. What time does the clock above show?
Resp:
**1:02**
